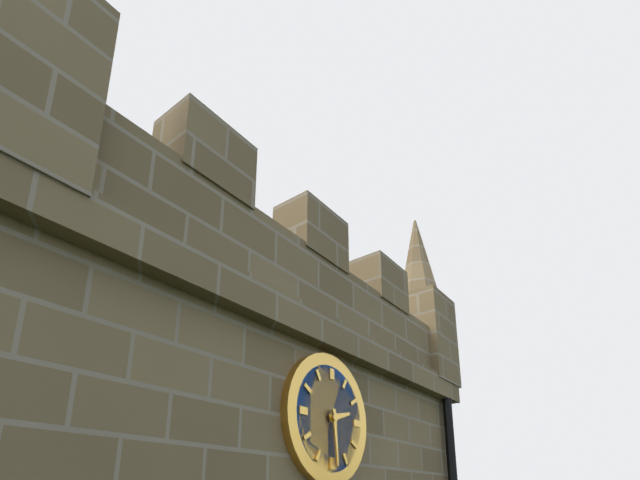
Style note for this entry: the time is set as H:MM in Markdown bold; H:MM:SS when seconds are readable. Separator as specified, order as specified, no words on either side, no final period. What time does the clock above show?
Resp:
**2:29**
